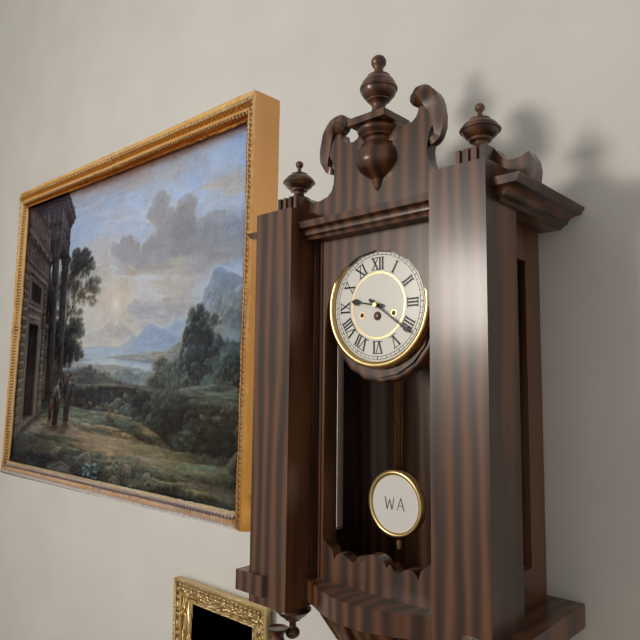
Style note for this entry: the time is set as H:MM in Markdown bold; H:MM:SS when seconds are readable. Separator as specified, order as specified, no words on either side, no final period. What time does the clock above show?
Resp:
**9:21**
